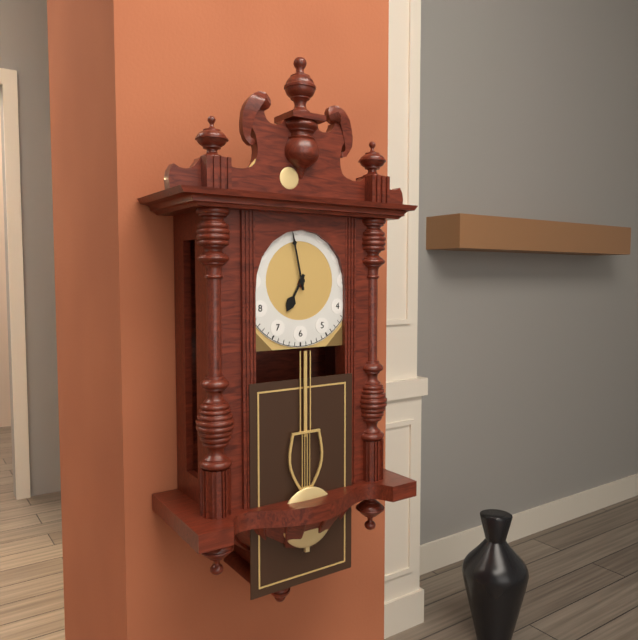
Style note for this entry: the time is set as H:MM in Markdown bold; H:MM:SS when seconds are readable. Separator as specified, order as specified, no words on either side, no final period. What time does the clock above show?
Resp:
**6:58**
